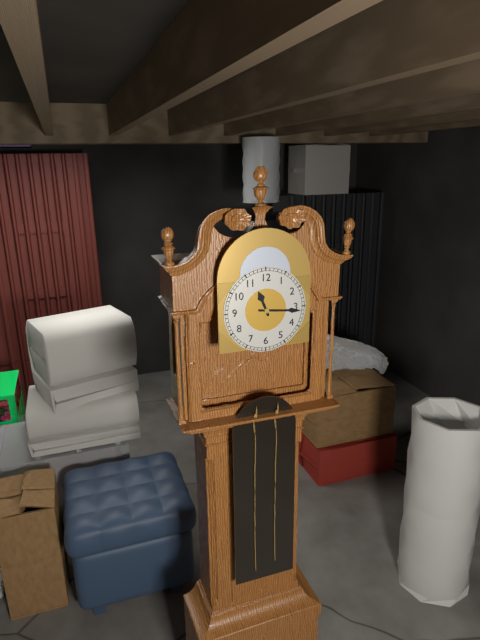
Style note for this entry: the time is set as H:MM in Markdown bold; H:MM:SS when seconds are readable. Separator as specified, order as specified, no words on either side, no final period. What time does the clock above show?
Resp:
**11:16**
